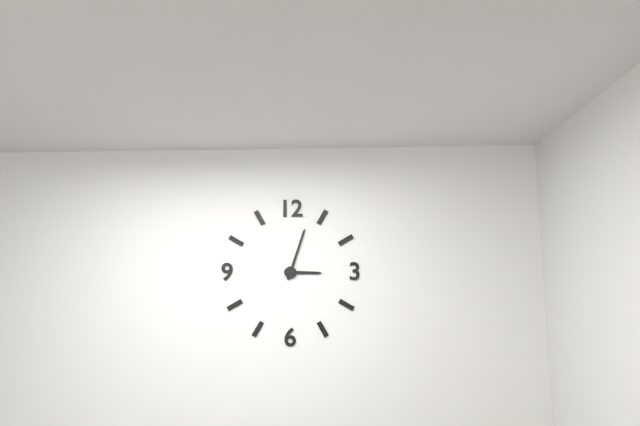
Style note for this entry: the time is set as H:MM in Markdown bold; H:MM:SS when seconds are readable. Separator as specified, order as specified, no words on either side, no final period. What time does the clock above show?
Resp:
**3:03**
